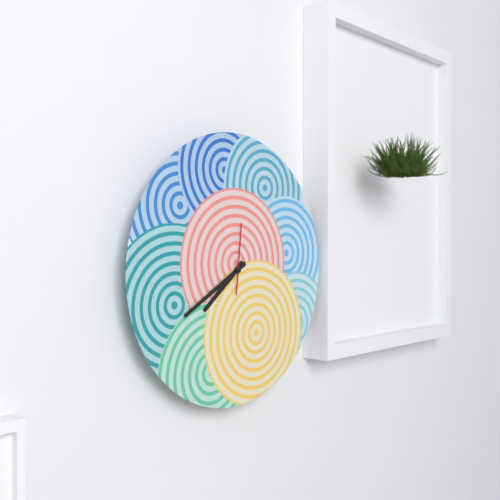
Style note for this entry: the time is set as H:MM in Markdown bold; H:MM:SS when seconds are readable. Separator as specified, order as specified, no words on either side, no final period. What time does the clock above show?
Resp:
**7:40:01**
